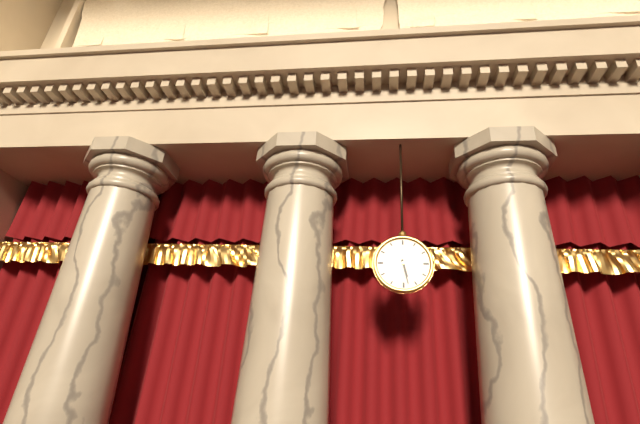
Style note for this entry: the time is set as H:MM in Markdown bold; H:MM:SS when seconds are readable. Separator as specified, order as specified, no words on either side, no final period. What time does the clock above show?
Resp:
**5:28**
